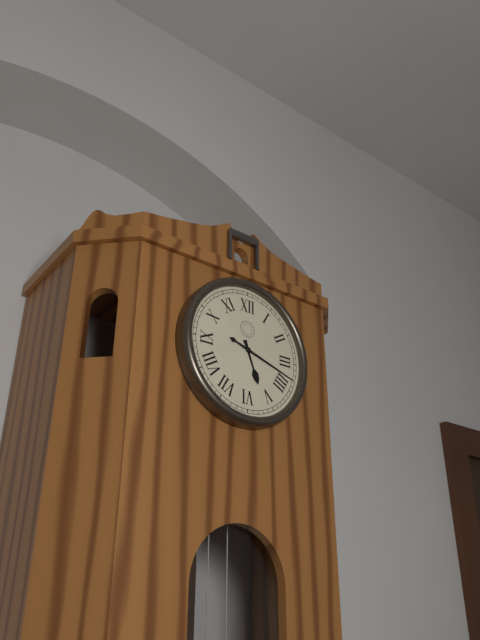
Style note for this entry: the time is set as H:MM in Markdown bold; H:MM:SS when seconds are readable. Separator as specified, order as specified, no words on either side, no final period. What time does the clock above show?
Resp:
**5:18**
